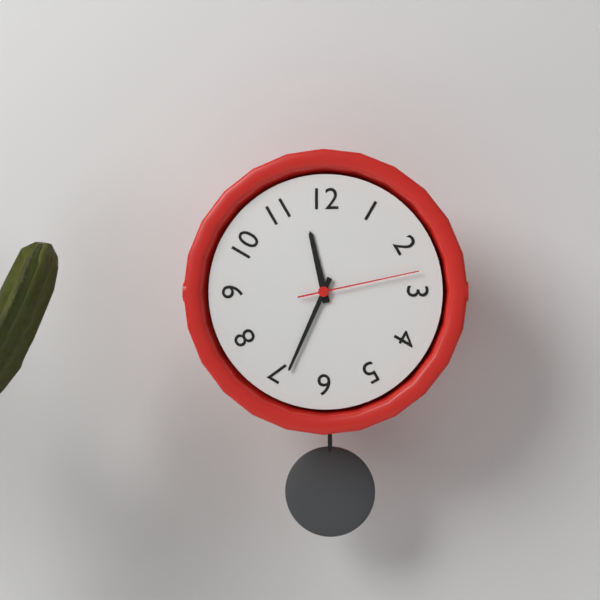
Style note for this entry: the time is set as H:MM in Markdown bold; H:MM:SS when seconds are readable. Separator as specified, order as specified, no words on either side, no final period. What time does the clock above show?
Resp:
**11:34:13**
